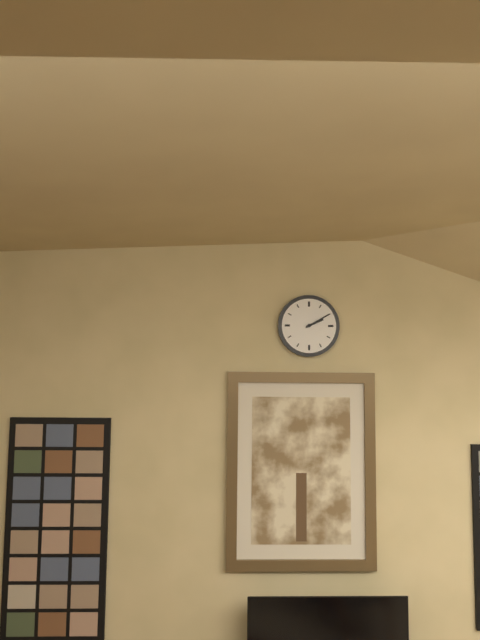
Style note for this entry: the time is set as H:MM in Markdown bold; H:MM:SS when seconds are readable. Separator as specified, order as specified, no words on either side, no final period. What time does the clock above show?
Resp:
**2:10**
